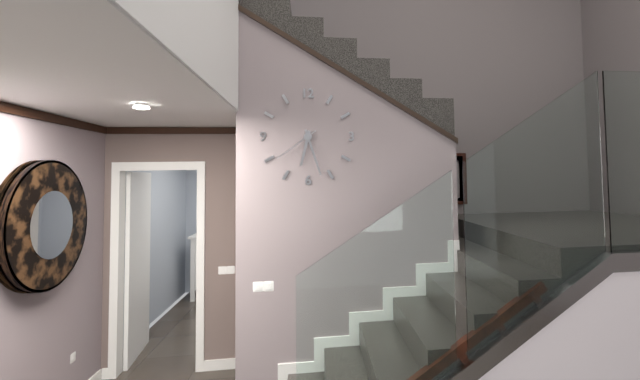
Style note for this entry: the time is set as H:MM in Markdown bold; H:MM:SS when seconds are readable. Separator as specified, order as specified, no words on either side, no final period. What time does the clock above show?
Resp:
**6:27**
